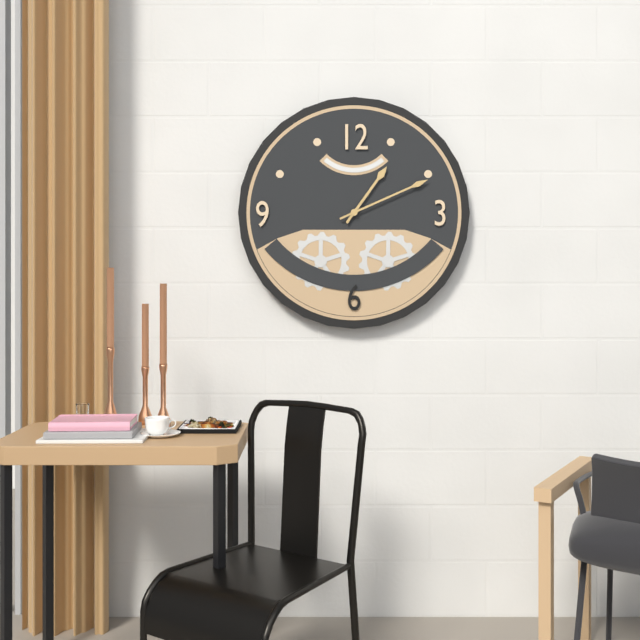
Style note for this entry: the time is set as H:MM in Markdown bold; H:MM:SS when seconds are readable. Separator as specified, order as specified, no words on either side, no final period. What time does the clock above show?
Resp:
**1:11**
